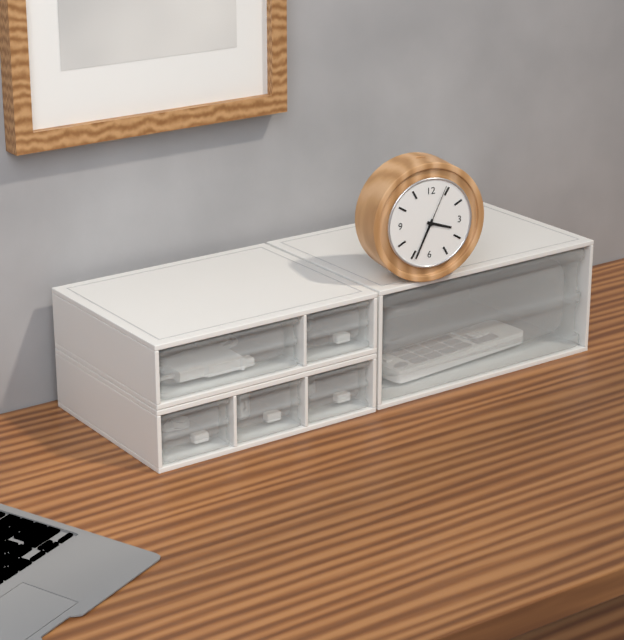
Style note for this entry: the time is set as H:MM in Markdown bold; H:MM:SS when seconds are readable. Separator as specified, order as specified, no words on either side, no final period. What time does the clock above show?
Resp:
**3:34:04**
